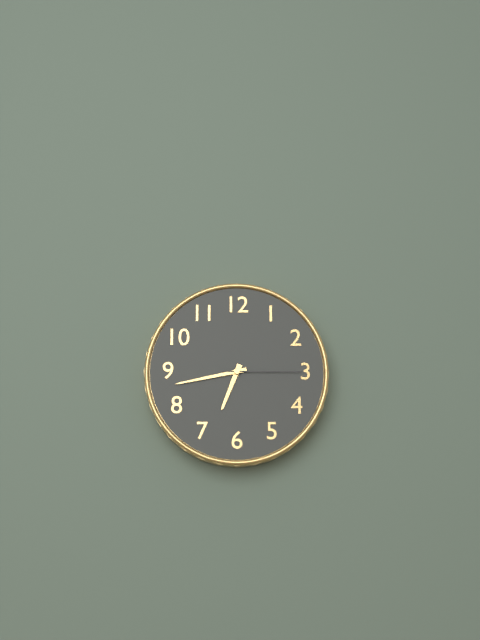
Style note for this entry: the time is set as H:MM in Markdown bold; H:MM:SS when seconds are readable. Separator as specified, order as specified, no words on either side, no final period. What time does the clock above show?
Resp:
**6:43:15**
